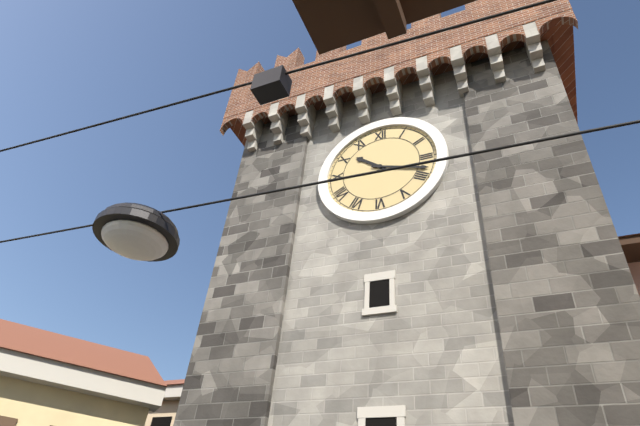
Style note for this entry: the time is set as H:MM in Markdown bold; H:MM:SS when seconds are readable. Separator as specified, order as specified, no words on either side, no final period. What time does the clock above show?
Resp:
**10:18**
